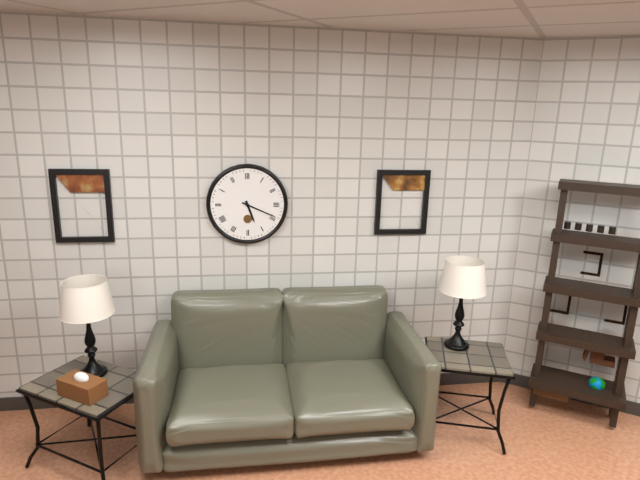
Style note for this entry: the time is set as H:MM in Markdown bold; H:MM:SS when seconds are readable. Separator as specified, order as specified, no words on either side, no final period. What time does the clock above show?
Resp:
**5:19**
